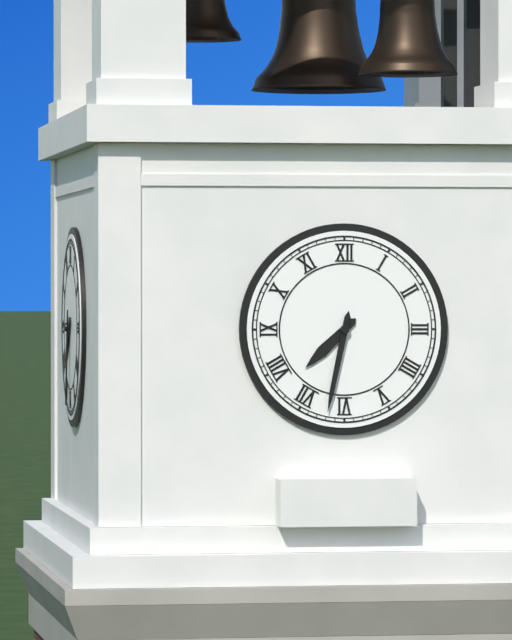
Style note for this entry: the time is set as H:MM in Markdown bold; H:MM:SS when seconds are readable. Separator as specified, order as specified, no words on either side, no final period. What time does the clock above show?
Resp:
**7:32**
